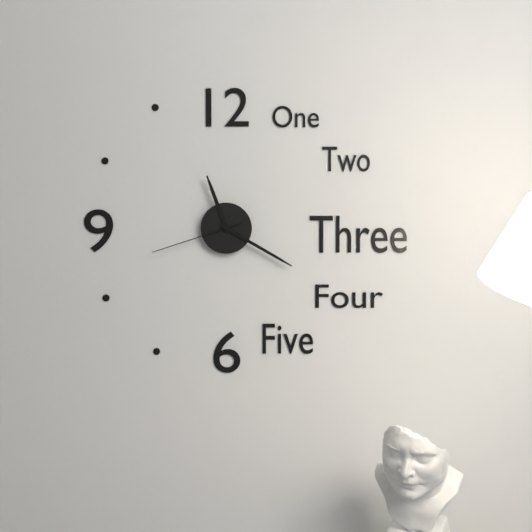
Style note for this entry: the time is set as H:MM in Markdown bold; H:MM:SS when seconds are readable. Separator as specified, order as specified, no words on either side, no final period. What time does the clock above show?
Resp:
**11:20:42**
